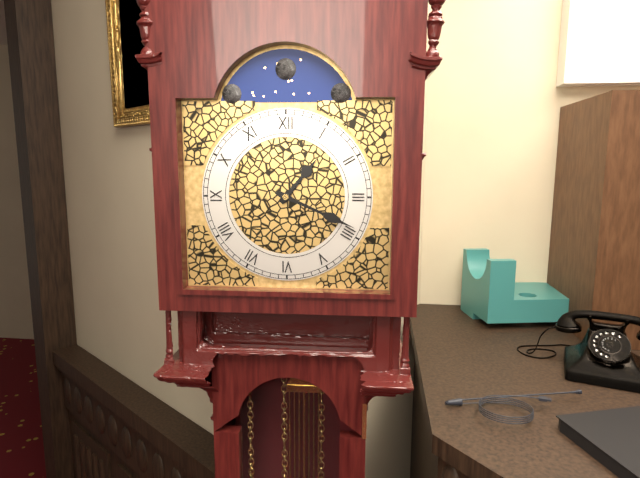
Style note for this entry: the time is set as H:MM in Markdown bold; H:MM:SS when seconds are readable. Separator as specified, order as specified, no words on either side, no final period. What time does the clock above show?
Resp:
**1:19**
